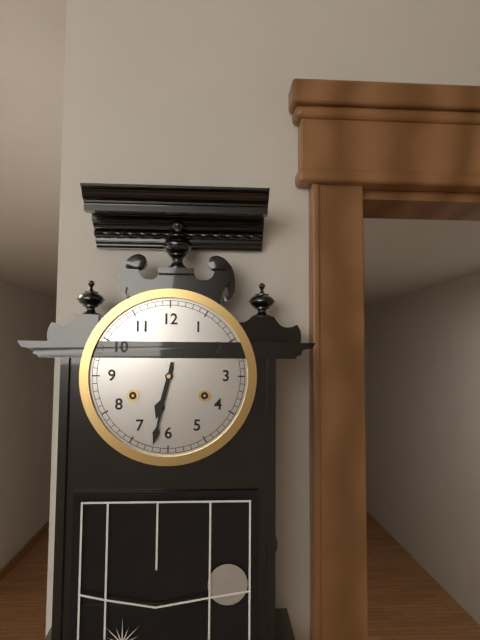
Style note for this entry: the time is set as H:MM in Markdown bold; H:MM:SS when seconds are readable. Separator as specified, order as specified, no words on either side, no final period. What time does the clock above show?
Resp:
**6:32**
